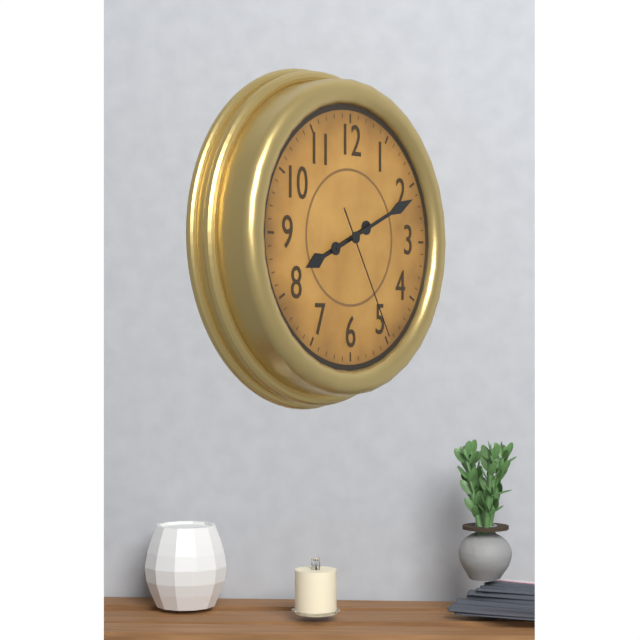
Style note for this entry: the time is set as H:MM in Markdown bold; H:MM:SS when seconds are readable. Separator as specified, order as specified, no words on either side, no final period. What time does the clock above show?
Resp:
**8:11:25**
